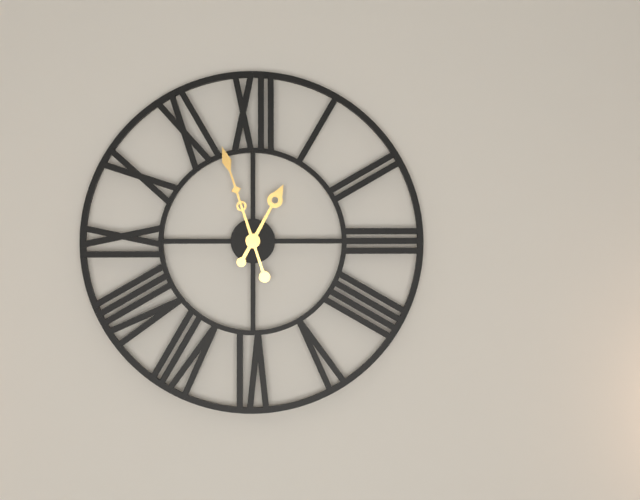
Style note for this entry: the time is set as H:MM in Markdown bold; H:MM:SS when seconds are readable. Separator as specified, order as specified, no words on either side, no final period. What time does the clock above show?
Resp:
**12:57**
